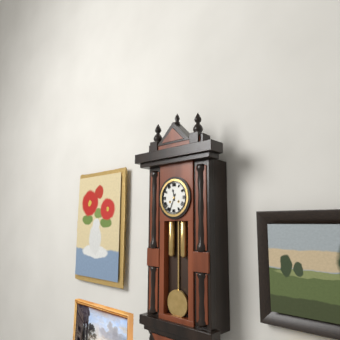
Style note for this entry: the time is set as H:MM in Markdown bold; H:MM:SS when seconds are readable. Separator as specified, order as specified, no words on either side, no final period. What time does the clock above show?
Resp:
**11:34**
